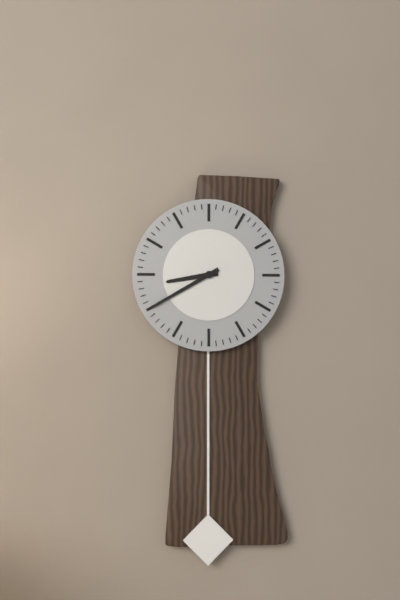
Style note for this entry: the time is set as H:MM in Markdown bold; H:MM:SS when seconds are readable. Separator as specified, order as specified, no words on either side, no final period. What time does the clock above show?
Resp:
**8:40**
